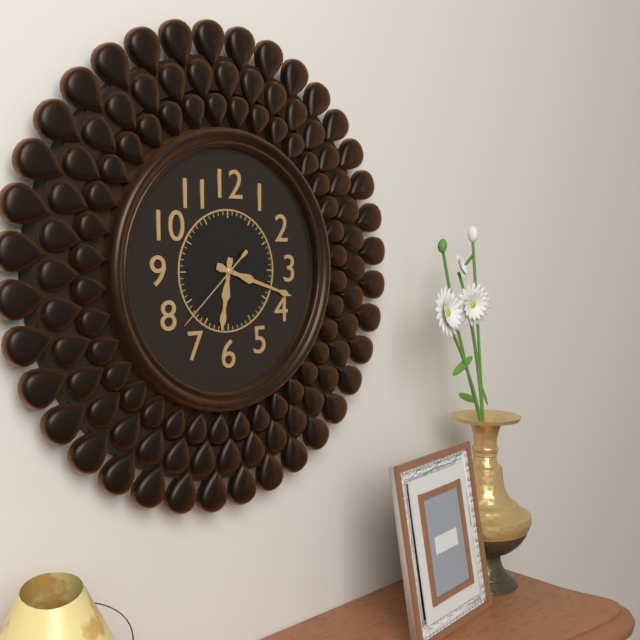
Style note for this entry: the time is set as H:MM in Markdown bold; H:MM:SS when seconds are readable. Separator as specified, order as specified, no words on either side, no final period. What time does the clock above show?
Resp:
**6:18:38**
